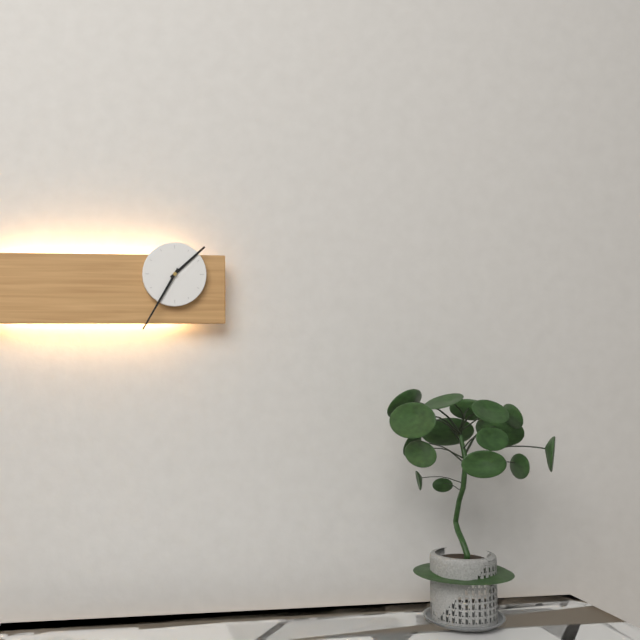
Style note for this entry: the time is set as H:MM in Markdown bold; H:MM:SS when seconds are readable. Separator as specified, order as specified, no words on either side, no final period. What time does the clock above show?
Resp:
**1:35**
